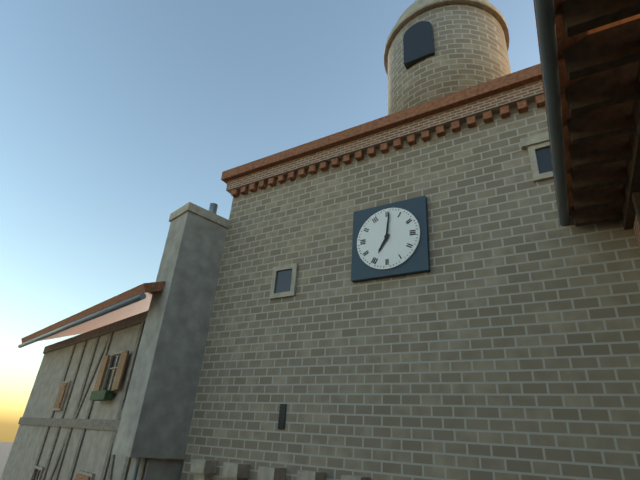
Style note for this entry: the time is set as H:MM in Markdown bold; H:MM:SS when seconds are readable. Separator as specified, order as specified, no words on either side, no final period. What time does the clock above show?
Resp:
**7:01**
